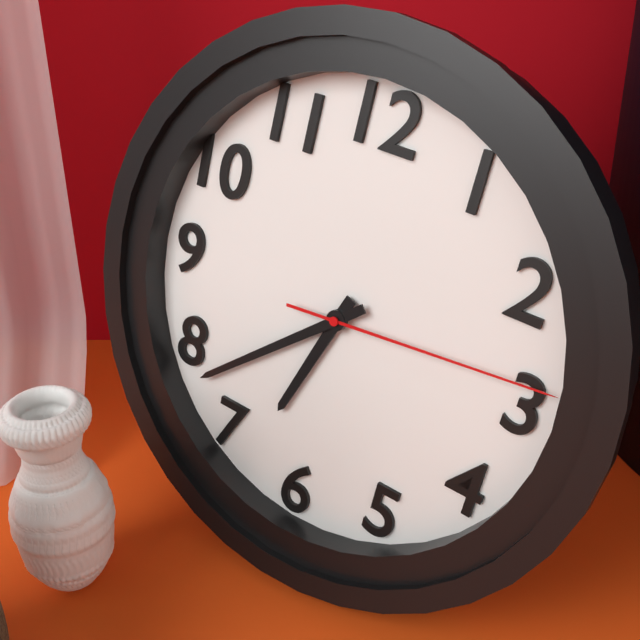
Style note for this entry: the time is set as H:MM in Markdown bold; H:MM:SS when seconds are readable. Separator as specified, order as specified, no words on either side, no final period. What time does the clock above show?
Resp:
**6:38:14**
